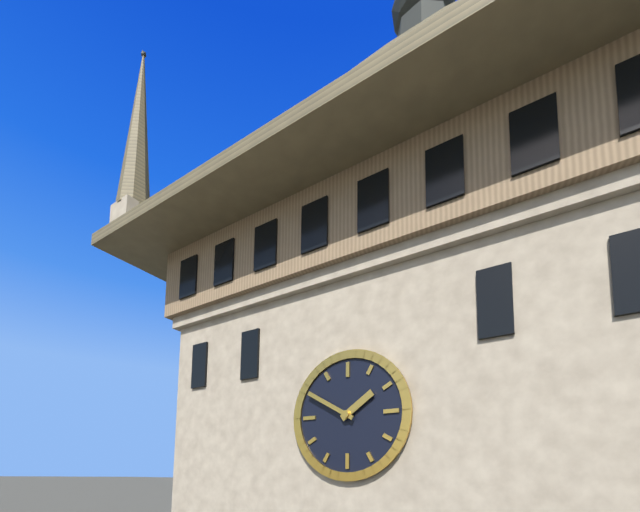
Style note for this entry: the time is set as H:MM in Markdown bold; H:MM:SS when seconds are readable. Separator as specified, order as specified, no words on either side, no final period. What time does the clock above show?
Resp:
**1:50**
